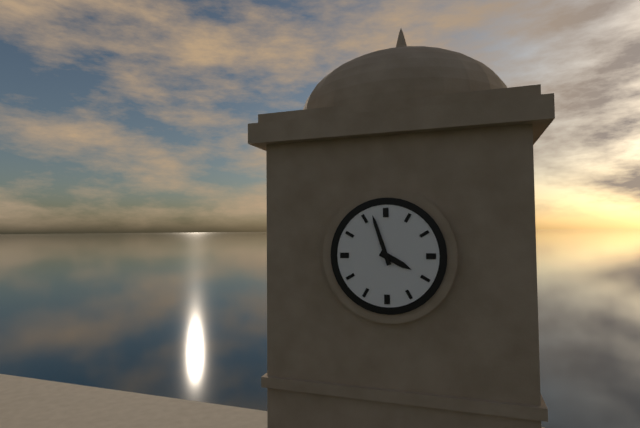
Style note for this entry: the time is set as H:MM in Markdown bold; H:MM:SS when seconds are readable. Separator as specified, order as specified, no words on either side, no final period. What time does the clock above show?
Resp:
**3:57**
